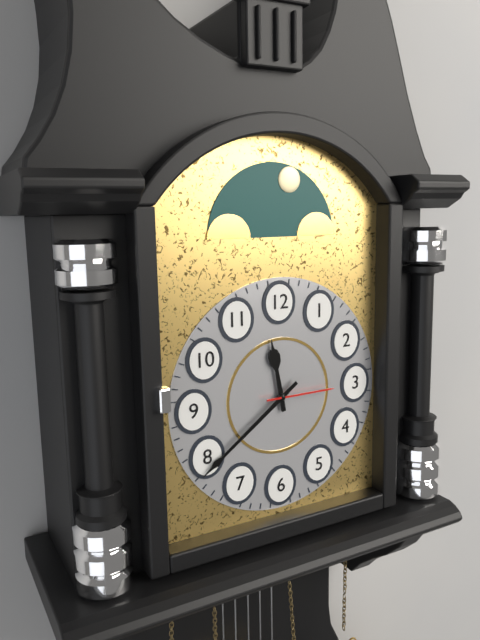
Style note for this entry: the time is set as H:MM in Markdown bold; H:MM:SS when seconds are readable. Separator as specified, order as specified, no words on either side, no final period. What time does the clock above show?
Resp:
**11:39:15**
